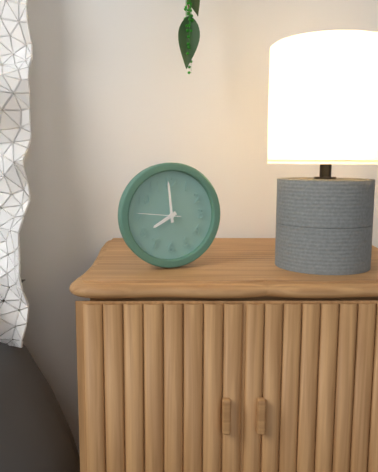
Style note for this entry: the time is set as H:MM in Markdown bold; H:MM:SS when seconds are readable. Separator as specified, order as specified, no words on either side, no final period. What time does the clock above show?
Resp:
**7:59**
